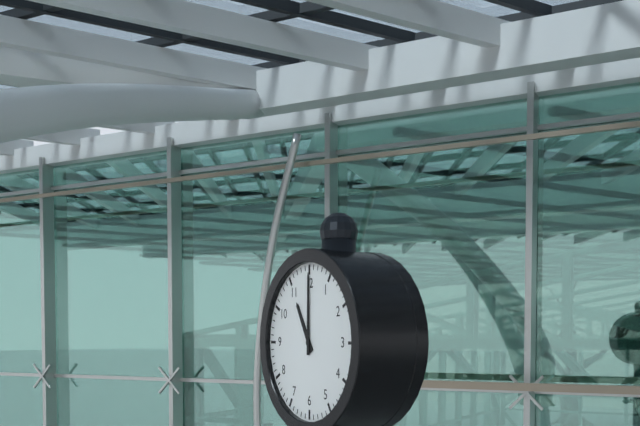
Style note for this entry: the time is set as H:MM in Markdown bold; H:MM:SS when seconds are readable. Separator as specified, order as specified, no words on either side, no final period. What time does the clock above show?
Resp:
**11:00**
